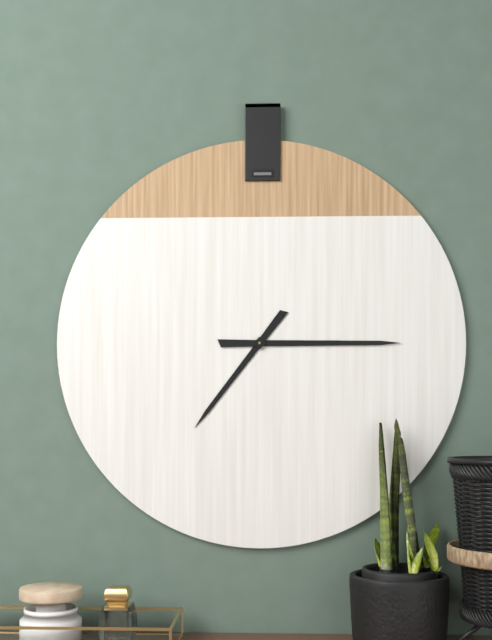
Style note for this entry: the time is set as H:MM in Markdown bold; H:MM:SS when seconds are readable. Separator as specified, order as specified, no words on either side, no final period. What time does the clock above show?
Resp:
**7:15**
